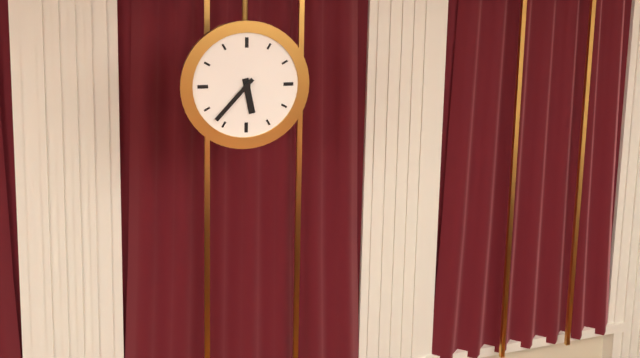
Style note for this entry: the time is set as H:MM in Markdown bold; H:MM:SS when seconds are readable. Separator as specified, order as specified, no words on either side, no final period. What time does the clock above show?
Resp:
**5:37**
